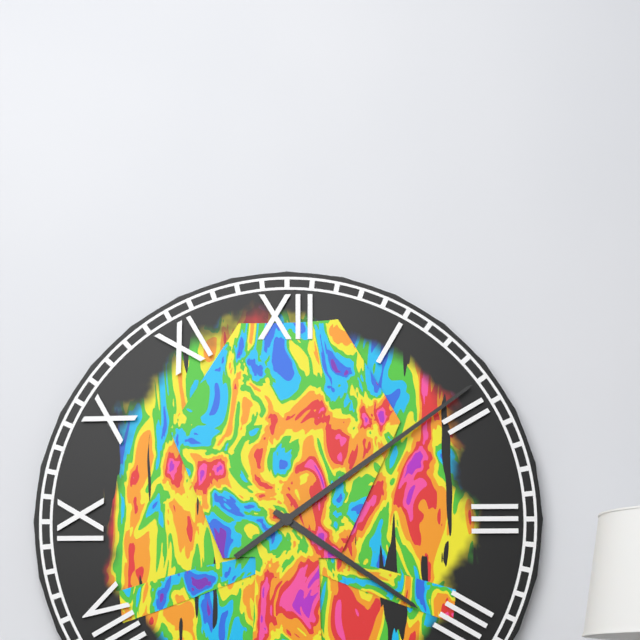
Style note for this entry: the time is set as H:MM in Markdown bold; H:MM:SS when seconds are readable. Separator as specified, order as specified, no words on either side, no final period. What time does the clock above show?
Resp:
**4:09**
